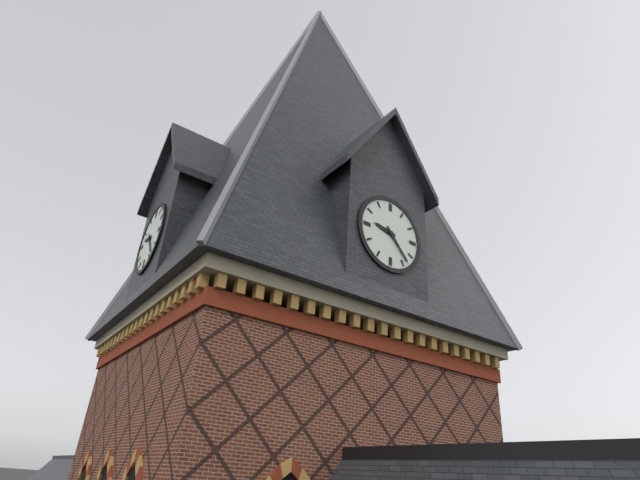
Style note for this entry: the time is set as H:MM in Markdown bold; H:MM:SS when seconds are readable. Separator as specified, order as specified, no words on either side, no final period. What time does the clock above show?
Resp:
**9:23**
